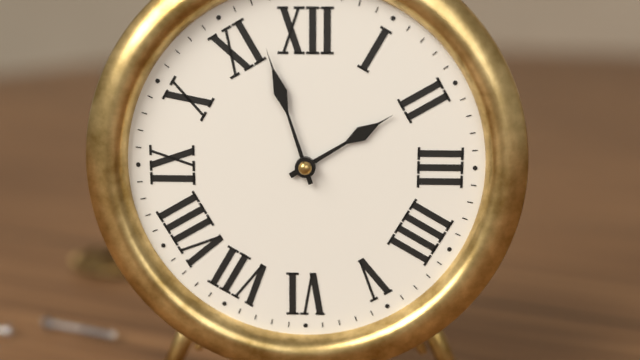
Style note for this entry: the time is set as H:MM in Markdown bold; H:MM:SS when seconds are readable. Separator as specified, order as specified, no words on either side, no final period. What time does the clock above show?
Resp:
**1:57**
